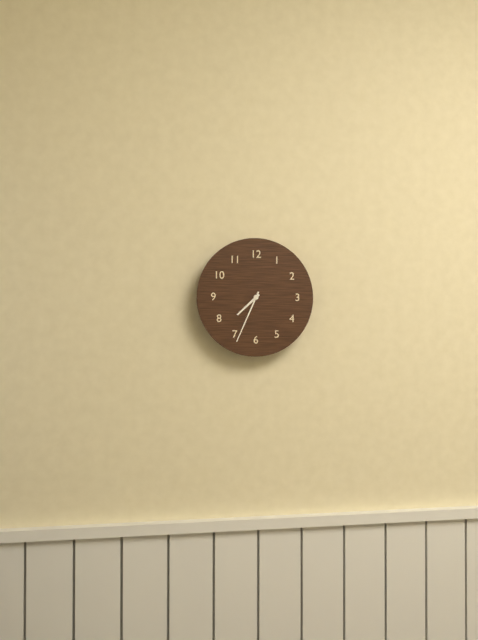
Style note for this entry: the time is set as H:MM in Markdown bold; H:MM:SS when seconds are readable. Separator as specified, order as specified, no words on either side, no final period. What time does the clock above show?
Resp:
**7:34**
